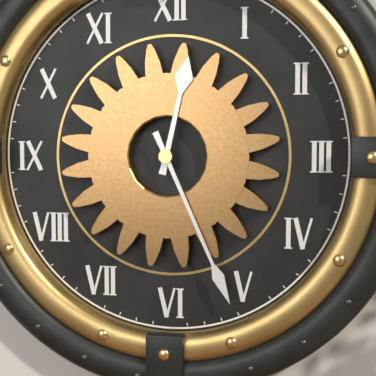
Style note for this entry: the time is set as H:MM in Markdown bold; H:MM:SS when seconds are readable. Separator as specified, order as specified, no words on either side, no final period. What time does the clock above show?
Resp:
**12:26**
